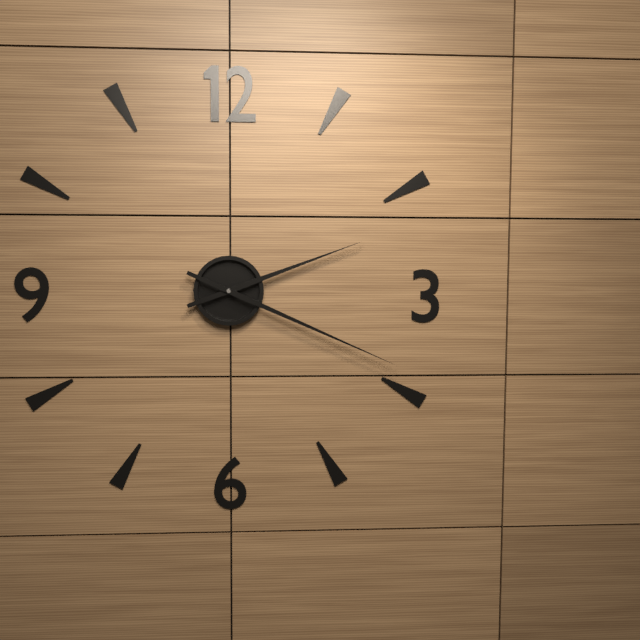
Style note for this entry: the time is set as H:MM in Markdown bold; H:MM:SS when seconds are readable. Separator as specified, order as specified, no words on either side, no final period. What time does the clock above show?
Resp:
**2:19**
